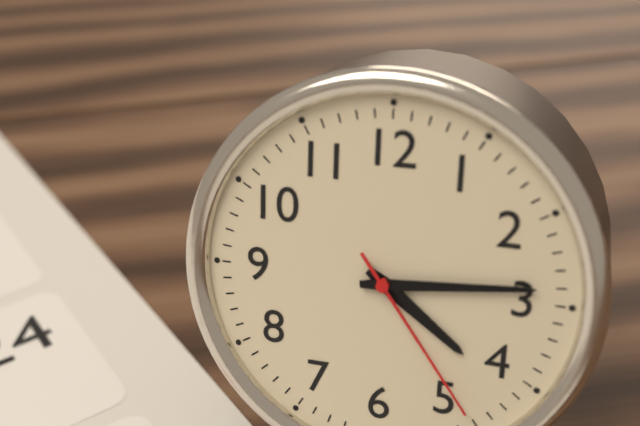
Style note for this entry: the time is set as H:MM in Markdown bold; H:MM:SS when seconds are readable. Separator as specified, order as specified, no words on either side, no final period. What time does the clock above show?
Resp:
**4:14:24**
